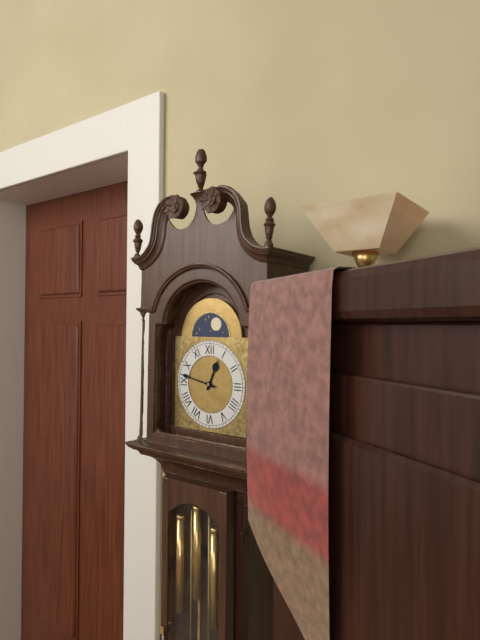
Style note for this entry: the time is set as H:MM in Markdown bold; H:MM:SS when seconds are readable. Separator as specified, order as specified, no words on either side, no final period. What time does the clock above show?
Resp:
**12:47**
